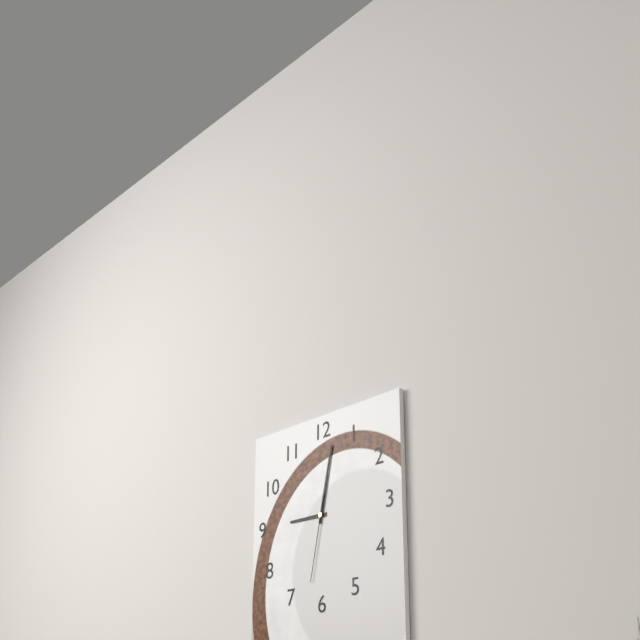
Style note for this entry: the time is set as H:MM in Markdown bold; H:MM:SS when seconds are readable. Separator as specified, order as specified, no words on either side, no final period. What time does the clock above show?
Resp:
**9:02:32**
